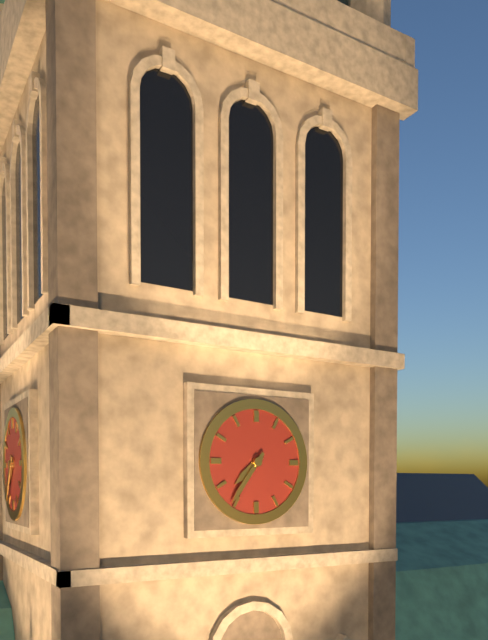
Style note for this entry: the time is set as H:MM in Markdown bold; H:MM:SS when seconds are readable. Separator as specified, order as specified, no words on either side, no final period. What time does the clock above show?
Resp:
**7:36**
